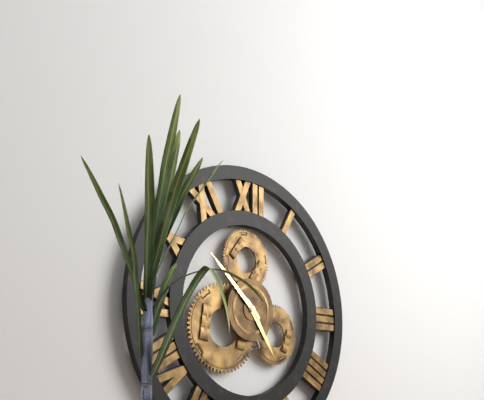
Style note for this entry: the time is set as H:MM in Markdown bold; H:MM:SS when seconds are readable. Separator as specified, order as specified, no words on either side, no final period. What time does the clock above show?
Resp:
**4:52**
